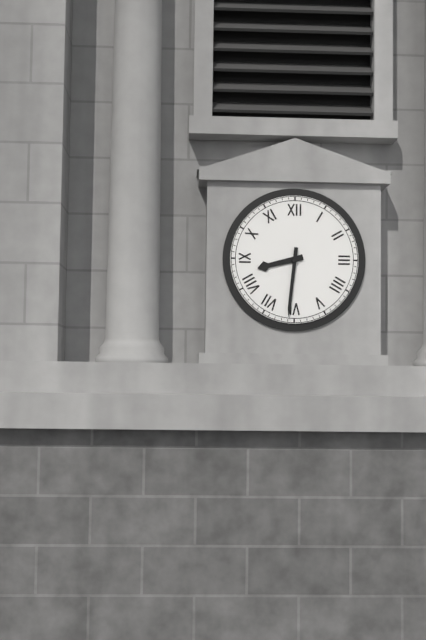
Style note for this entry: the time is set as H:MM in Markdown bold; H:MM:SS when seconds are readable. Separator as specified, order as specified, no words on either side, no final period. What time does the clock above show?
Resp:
**8:31**
